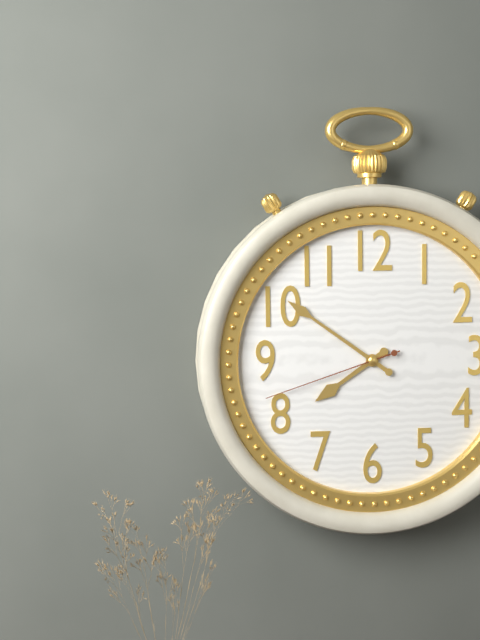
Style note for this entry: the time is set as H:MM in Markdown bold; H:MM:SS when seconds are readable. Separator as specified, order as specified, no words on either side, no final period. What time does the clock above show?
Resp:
**7:51:42**
